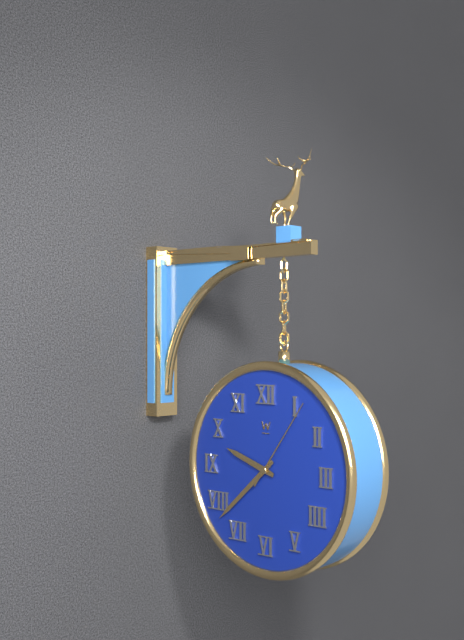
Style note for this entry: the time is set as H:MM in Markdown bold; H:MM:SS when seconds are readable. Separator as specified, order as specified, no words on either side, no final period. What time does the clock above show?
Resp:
**9:38:06**
